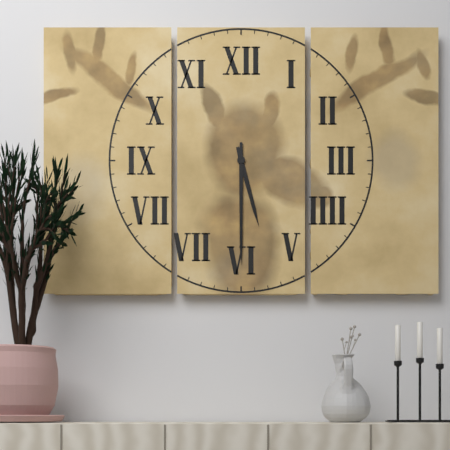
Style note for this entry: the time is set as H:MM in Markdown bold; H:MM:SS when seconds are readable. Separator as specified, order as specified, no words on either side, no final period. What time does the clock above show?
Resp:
**5:30**
